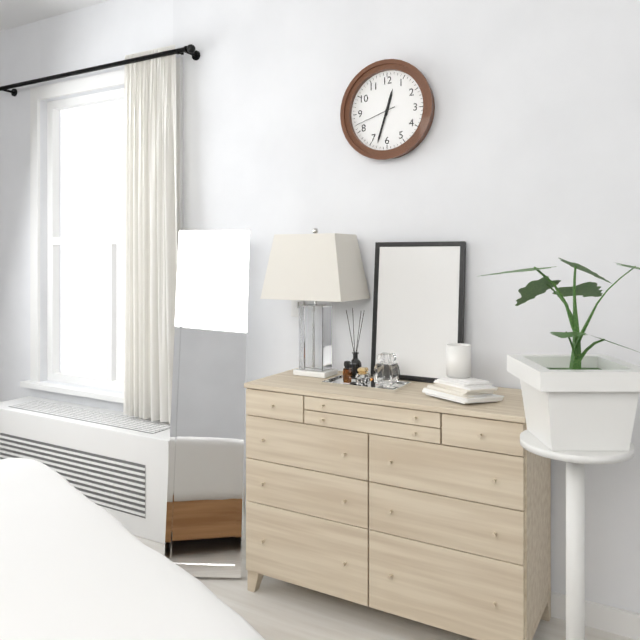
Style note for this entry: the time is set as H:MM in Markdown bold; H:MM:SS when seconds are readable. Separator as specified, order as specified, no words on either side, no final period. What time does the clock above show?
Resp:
**12:33**
